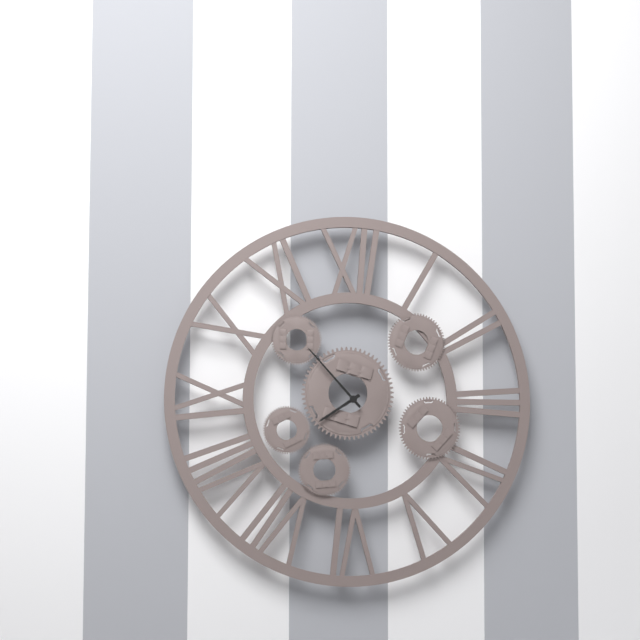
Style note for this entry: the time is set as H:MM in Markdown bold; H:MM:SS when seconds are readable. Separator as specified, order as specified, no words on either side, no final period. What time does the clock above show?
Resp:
**7:53**
